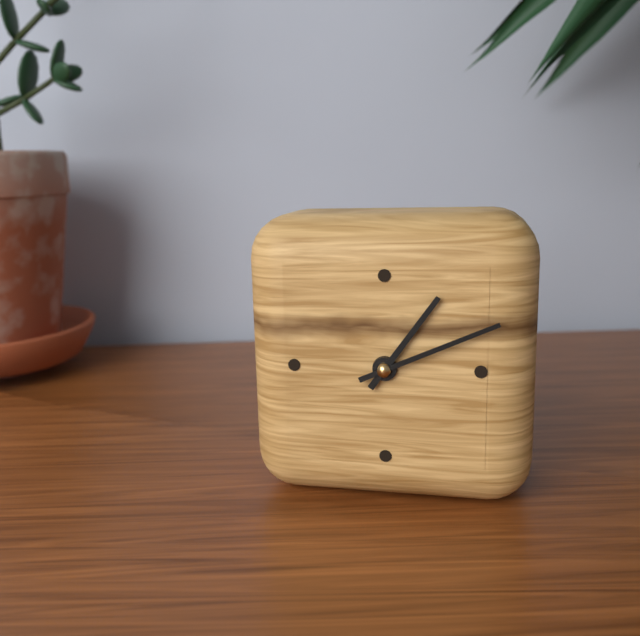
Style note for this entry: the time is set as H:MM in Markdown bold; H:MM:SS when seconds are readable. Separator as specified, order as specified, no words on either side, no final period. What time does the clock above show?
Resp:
**1:11**
